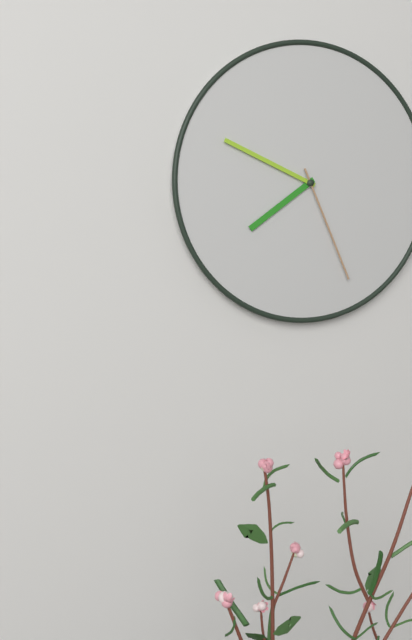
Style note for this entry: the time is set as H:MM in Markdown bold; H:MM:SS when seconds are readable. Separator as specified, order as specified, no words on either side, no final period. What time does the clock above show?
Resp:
**7:49:26**
